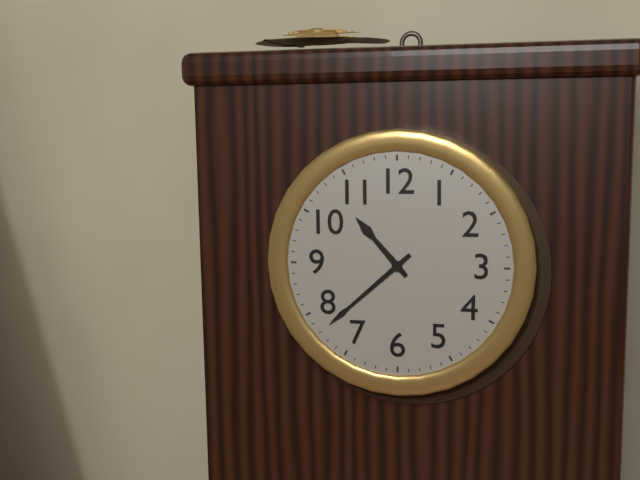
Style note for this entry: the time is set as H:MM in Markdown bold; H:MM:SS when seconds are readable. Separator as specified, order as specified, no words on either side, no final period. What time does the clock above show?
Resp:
**10:38**
